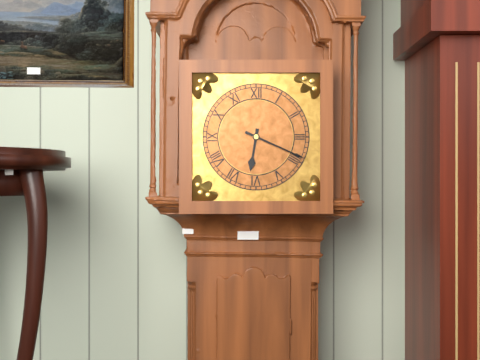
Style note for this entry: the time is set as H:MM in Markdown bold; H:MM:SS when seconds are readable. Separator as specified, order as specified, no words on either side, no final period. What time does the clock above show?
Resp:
**6:19**
